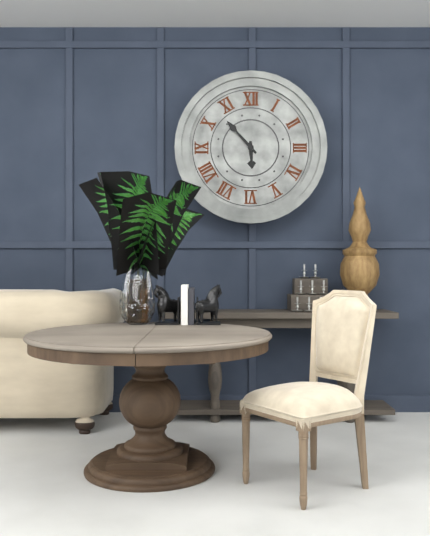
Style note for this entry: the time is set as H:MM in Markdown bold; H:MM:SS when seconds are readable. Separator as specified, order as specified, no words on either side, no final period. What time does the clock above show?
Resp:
**5:53**
